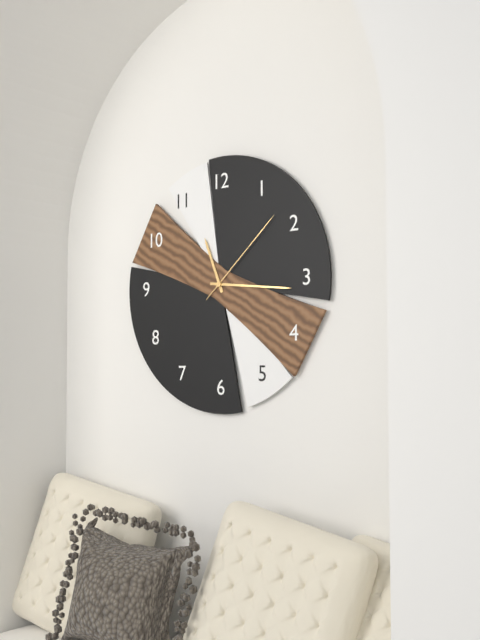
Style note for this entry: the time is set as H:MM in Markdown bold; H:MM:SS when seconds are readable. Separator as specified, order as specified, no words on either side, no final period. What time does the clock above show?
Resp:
**11:16:08**
